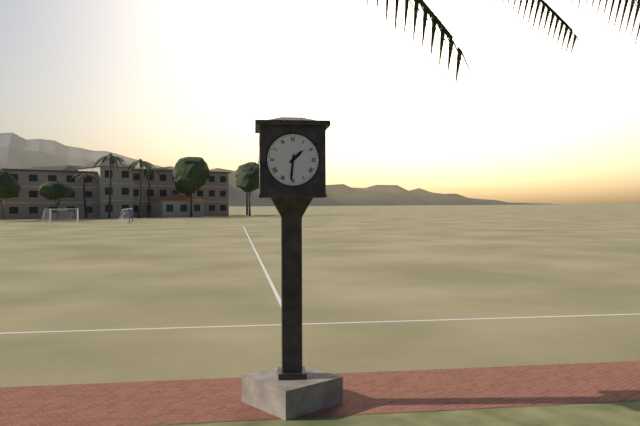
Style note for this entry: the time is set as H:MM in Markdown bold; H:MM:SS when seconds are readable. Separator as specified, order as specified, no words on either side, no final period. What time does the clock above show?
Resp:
**1:31**
